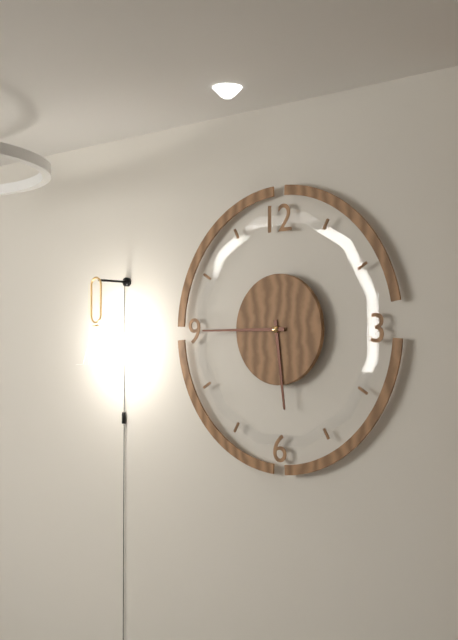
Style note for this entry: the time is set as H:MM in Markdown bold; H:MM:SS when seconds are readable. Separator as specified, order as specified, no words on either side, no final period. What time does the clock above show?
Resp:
**5:45**
